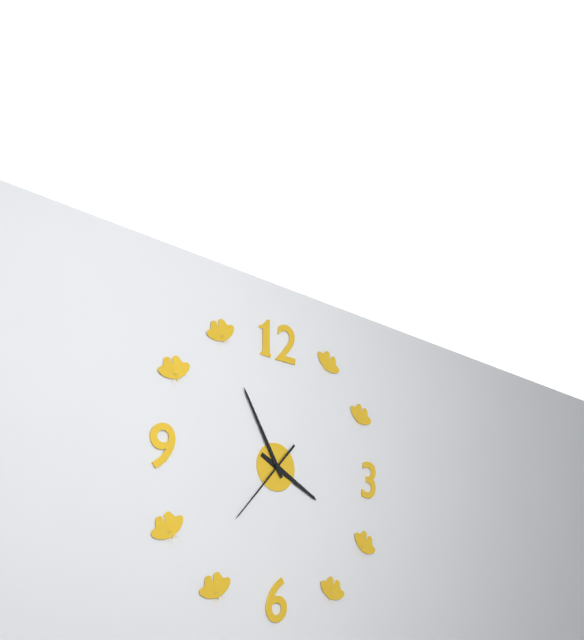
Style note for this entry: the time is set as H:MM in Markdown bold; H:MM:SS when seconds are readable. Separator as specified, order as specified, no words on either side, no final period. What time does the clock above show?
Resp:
**3:55:37**
